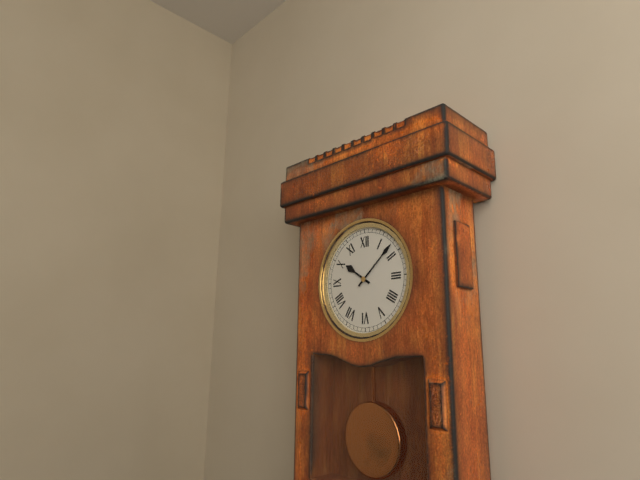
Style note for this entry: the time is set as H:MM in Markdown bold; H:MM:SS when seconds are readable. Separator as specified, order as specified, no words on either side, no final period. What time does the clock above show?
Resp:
**10:08**
